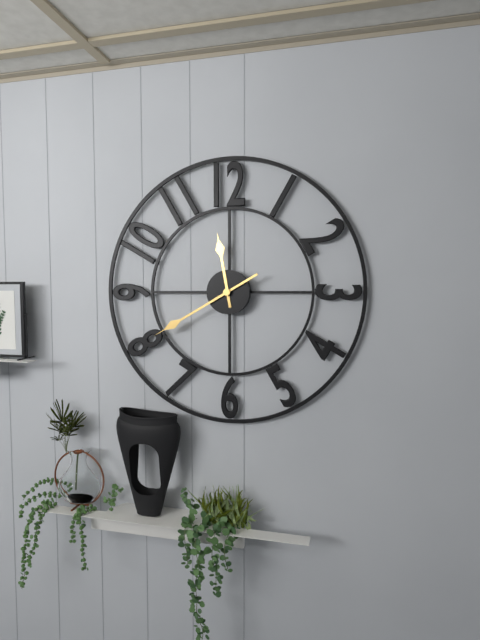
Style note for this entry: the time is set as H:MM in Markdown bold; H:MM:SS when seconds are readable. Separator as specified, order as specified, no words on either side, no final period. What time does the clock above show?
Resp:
**11:40**
